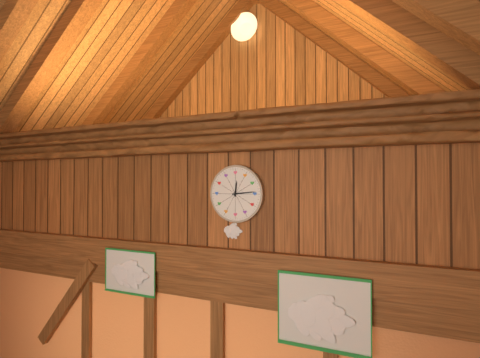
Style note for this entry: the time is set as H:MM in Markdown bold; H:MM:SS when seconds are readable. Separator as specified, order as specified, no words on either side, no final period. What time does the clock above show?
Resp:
**12:14**
